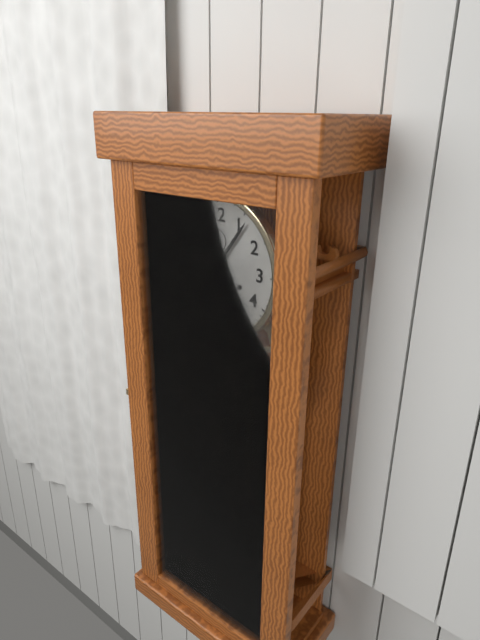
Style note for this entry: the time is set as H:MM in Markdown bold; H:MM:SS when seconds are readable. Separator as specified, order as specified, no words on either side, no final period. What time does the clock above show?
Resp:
**6:06**
